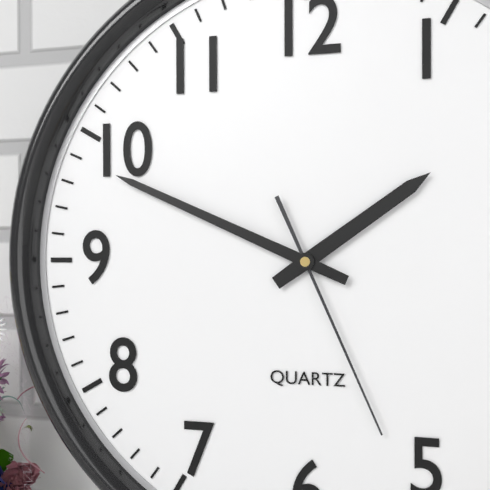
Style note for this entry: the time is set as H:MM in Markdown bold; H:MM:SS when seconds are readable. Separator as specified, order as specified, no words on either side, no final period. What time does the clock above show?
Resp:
**1:49:26**
